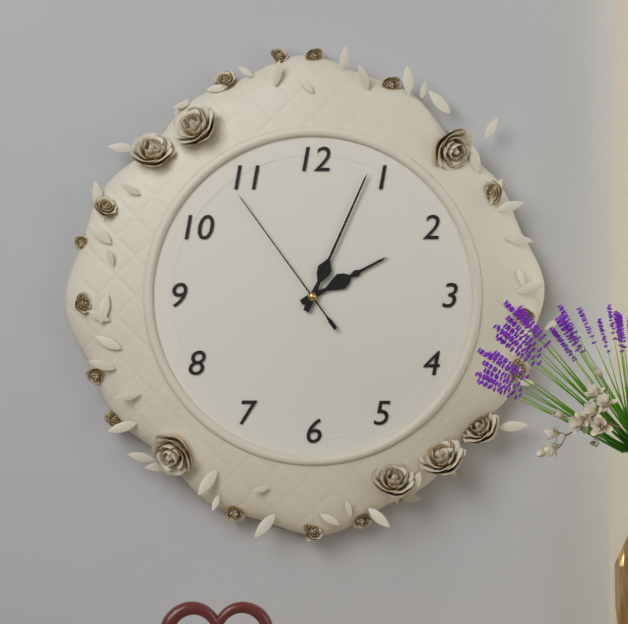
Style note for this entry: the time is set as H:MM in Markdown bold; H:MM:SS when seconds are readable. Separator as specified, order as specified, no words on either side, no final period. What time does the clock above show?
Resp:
**2:04:54**
